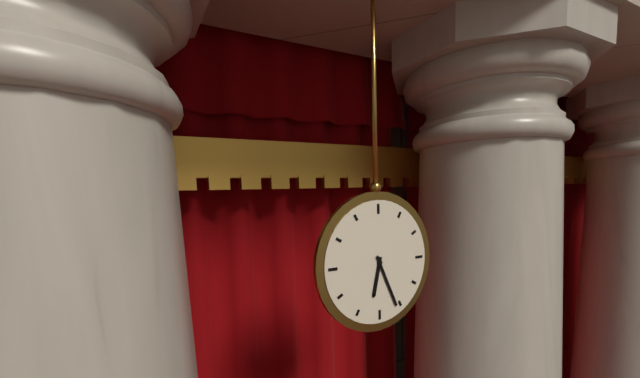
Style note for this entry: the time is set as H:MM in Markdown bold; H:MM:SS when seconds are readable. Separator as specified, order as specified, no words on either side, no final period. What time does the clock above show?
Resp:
**6:26**
